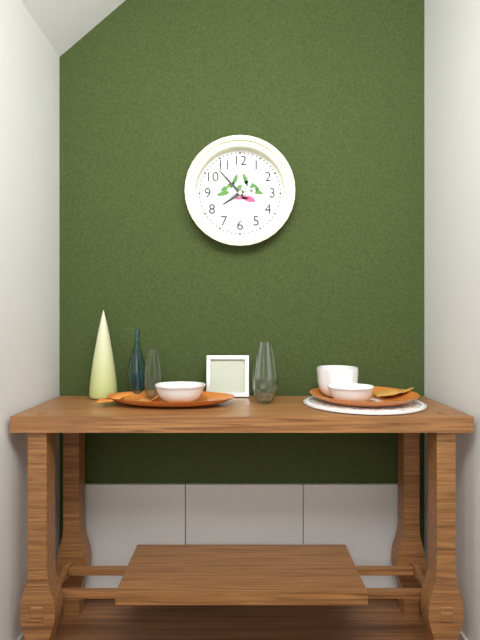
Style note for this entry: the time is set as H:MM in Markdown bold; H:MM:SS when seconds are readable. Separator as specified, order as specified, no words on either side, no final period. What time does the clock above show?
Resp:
**7:53**
